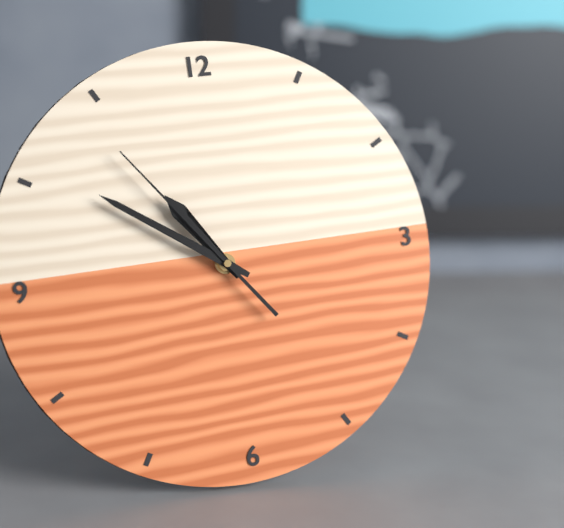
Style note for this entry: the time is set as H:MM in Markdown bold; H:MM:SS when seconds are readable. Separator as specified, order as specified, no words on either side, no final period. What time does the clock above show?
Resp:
**10:51:54**
